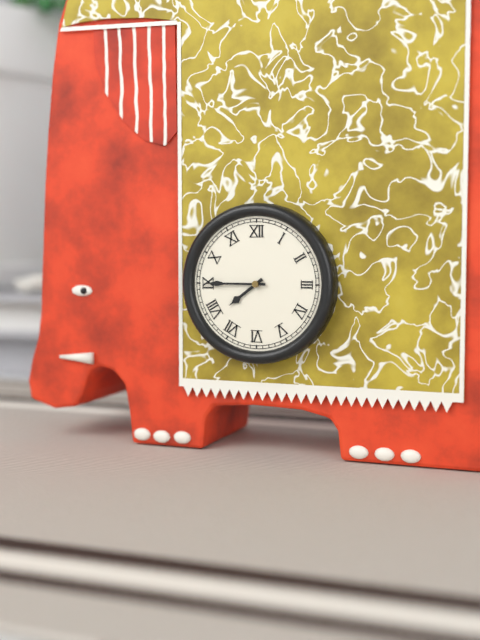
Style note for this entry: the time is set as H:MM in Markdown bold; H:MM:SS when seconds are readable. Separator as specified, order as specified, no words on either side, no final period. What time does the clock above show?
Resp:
**7:45**
